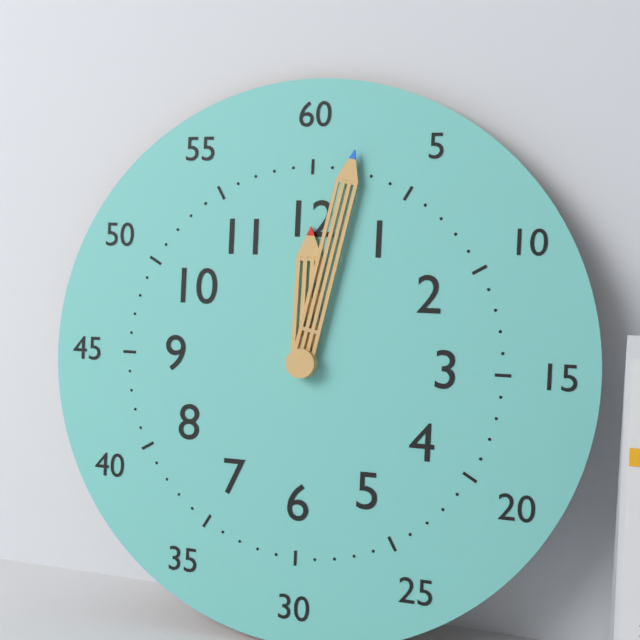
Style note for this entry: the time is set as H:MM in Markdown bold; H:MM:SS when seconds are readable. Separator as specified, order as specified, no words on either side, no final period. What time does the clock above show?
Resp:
**12:02**
